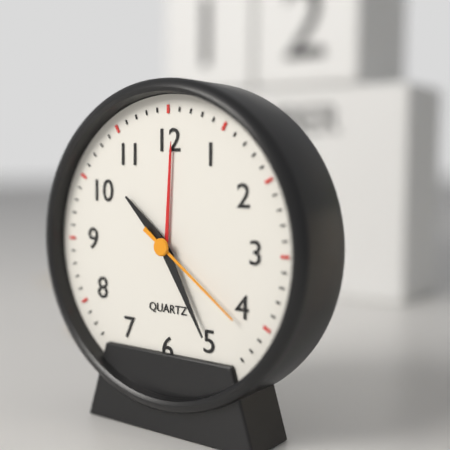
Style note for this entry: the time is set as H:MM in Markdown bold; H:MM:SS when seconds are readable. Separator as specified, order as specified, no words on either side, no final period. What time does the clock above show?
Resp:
**10:25:21**
